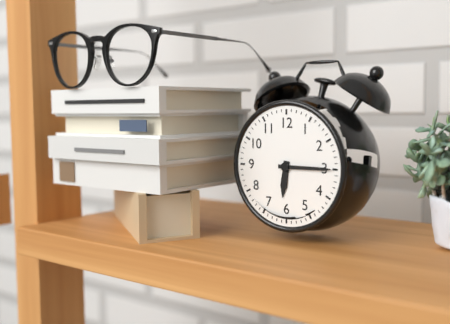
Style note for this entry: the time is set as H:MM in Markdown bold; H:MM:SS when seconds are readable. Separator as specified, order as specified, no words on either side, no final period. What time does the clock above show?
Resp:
**6:15**
